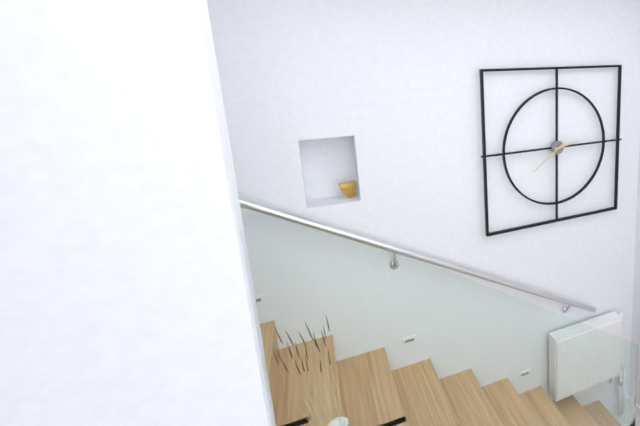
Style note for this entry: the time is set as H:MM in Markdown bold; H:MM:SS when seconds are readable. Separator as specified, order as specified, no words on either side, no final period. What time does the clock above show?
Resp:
**2:39**
